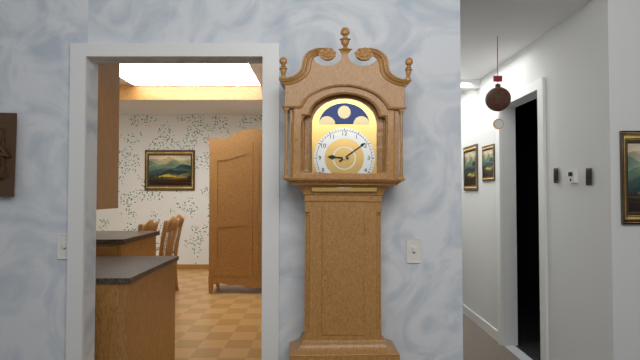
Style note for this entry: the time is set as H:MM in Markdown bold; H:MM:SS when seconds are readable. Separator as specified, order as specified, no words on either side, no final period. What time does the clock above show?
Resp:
**9:09**
